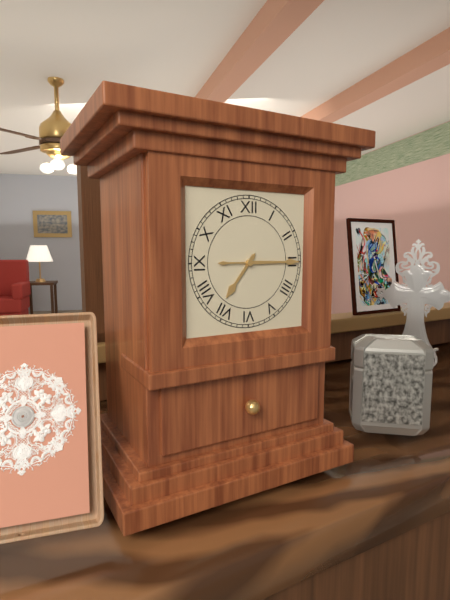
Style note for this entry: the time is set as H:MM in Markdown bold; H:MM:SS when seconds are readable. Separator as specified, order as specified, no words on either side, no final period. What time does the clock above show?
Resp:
**7:15**
